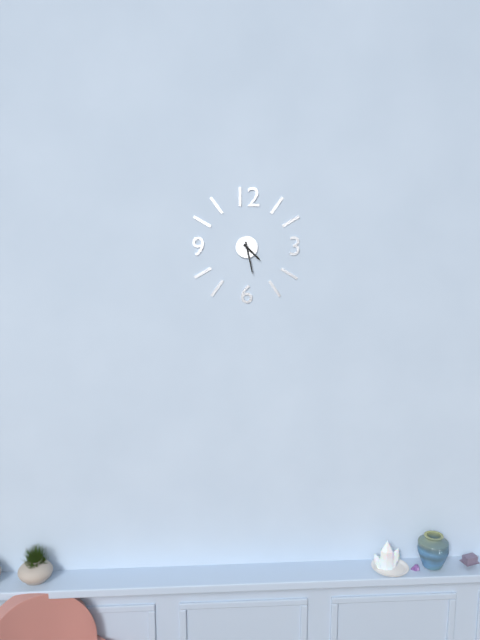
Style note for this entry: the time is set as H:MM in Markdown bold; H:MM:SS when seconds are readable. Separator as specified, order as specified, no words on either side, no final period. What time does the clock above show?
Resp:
**4:28**
